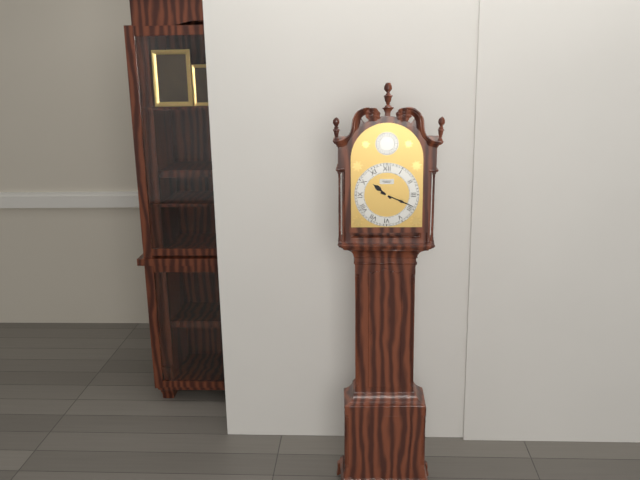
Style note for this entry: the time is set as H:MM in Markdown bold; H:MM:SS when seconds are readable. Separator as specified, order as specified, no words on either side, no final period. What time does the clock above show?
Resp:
**10:19**
